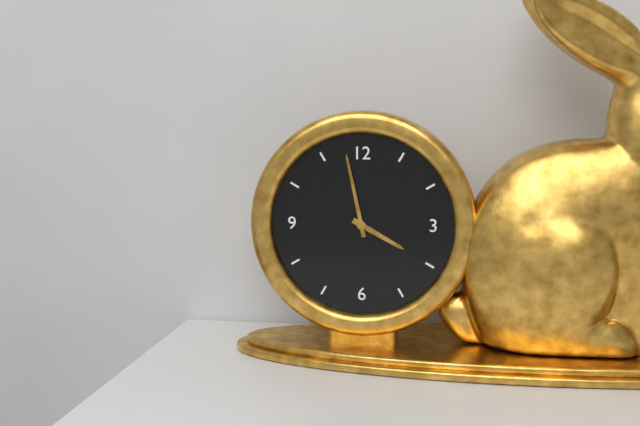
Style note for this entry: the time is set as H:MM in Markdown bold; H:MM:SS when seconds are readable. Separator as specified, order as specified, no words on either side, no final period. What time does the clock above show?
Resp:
**3:58**
